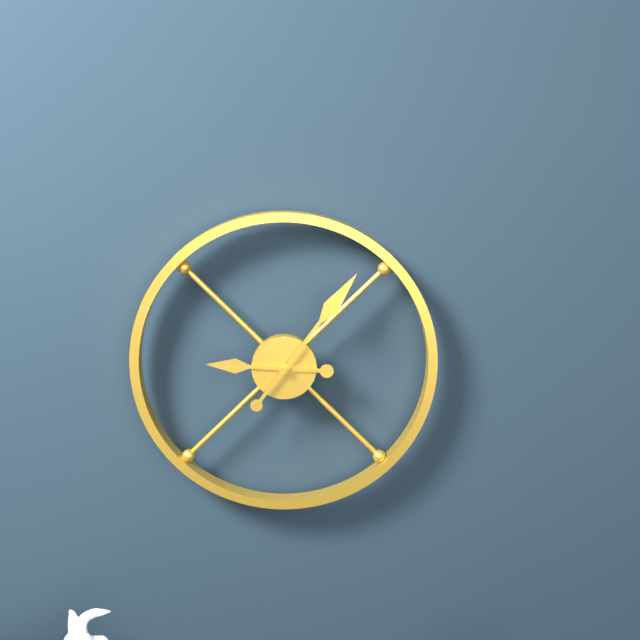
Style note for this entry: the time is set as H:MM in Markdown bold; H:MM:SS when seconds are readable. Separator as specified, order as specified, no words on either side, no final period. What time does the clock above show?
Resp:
**9:06**
